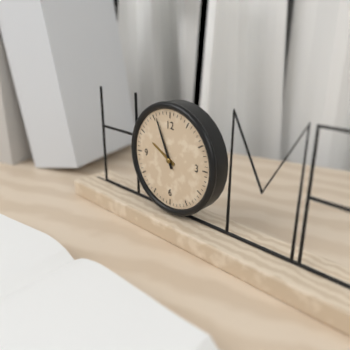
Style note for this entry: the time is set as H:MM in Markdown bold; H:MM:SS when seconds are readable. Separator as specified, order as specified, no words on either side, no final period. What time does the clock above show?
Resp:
**9:56**
